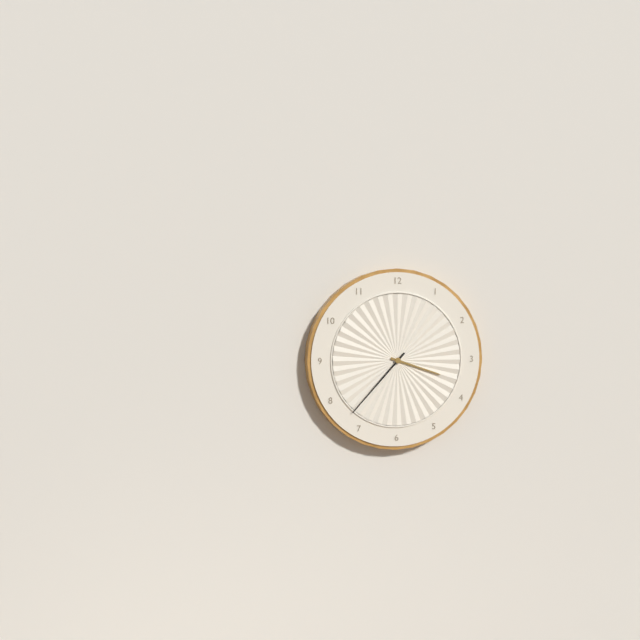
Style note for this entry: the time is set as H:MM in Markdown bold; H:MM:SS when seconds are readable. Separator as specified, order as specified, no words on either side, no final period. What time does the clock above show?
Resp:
**3:37**
